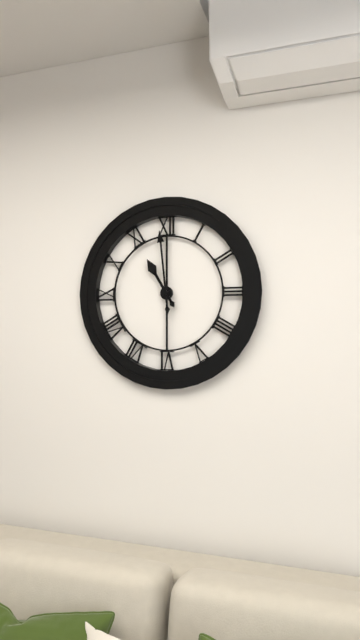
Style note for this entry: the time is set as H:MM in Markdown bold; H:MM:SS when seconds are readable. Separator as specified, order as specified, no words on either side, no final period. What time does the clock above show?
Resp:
**10:59**
